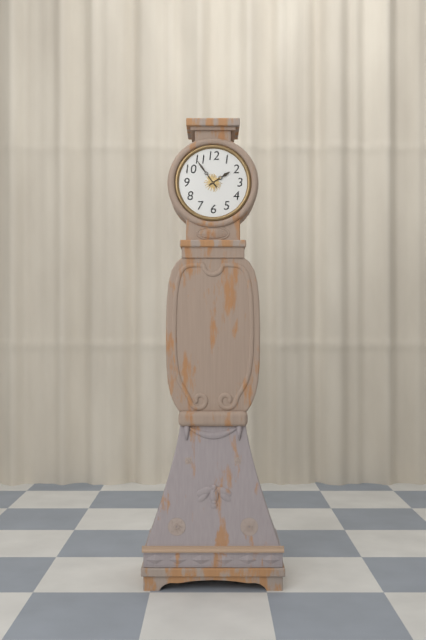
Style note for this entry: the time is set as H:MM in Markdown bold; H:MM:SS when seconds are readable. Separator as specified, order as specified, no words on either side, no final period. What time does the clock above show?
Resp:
**1:54**
